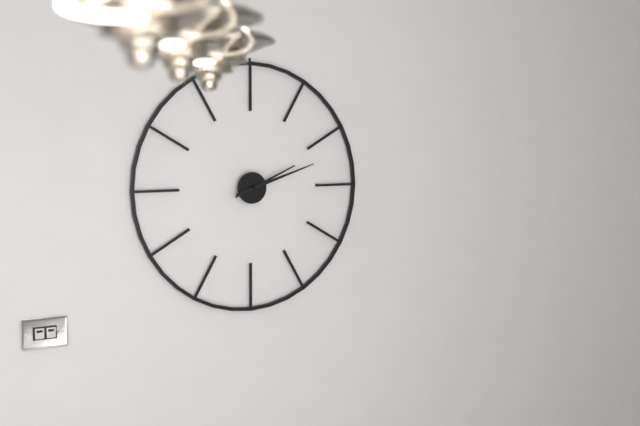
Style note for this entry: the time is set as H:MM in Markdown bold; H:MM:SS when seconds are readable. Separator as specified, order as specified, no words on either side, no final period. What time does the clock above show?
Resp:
**2:12**
